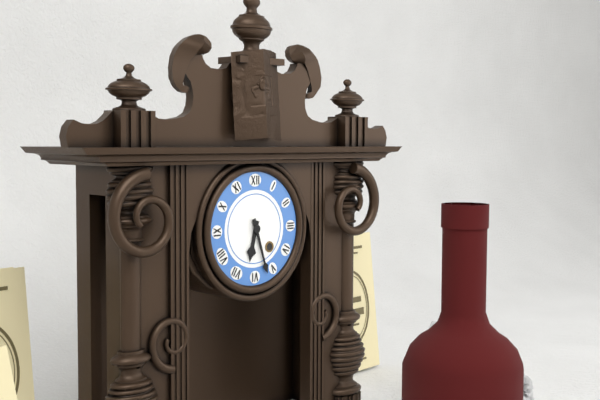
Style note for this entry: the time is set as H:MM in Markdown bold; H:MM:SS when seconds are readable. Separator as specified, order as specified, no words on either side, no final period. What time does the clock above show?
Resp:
**6:27**
